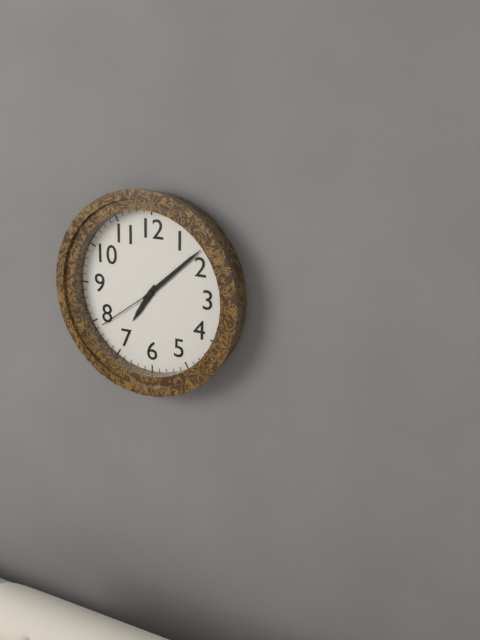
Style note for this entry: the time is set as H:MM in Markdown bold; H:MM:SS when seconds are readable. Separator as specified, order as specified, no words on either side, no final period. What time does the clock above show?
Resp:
**7:08:39**
